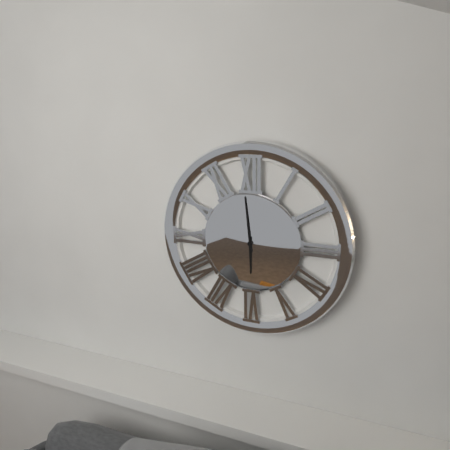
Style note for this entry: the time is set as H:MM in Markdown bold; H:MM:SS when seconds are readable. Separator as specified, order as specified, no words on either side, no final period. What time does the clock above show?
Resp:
**5:59**
